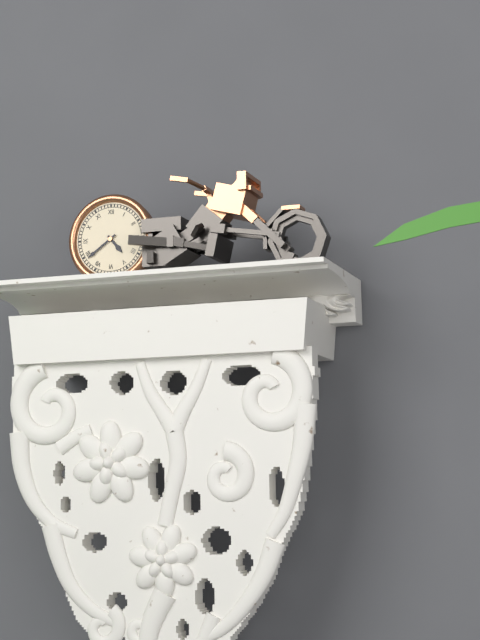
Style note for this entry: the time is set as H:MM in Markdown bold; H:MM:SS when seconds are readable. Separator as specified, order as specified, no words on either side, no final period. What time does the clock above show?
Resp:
**4:39**
